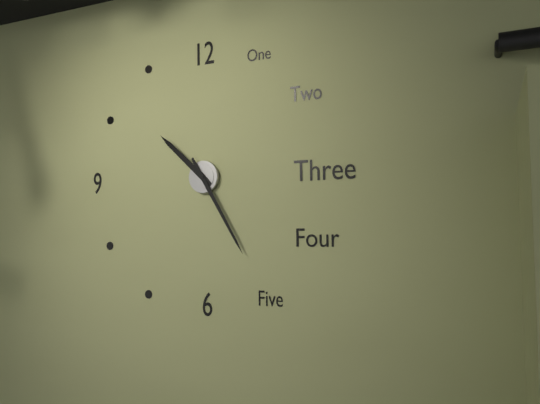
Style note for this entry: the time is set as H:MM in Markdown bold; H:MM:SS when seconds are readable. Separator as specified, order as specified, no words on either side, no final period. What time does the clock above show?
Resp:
**10:25**
